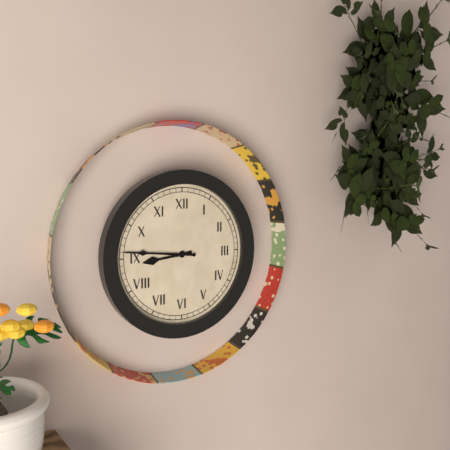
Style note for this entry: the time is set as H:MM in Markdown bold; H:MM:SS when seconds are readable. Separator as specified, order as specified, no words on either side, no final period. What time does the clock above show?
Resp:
**8:46**
